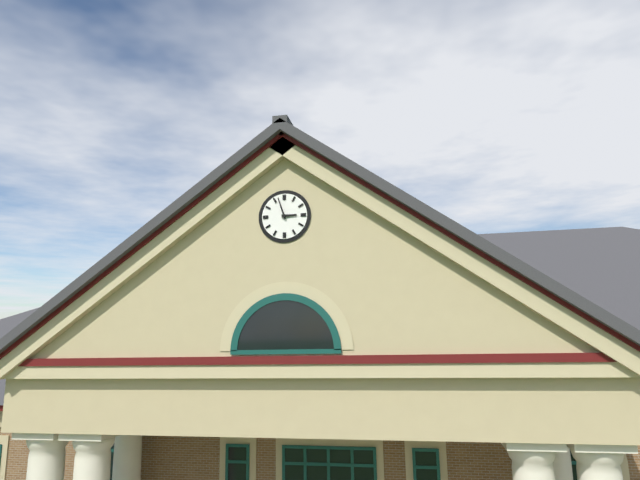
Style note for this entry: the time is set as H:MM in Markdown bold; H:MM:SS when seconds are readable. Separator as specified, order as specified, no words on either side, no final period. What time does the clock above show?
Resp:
**2:57**
